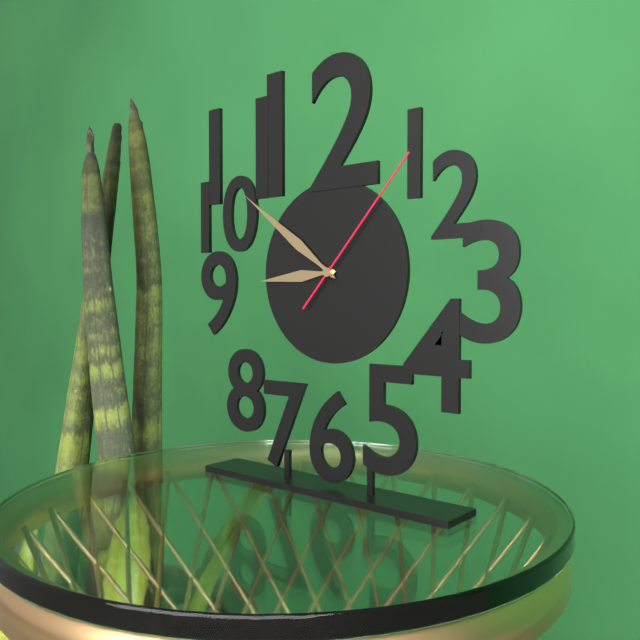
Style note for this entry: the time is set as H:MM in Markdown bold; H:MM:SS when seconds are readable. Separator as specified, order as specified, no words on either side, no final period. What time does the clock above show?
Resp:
**8:51:07**
